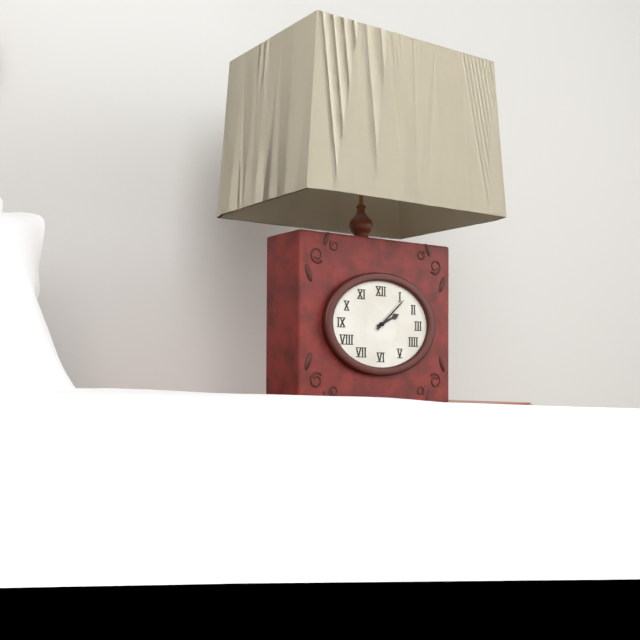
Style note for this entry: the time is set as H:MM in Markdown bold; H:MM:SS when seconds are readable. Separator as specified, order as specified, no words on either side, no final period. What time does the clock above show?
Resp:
**2:08**
